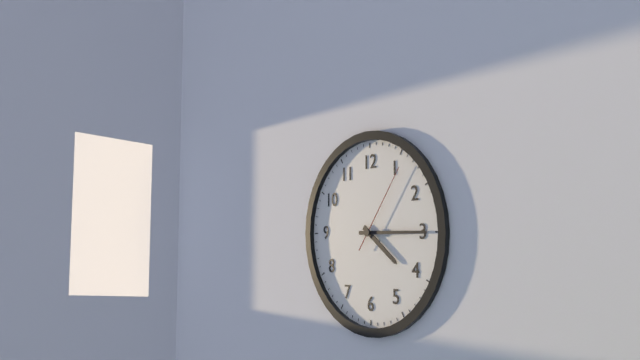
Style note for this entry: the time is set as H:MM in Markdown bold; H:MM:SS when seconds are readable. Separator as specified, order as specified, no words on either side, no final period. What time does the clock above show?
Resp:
**4:15:06**
